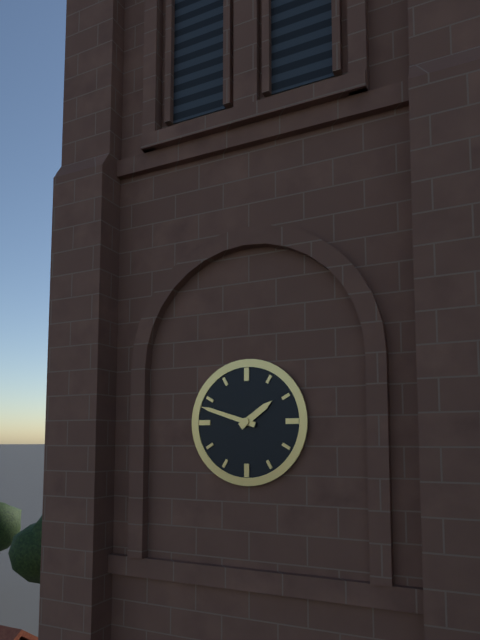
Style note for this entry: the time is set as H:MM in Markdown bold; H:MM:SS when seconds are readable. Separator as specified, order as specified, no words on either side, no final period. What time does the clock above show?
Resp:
**1:48**
